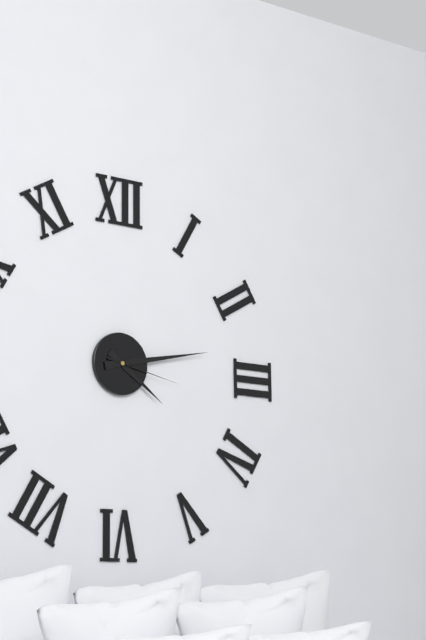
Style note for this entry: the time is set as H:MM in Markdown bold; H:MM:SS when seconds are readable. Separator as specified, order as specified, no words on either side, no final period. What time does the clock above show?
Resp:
**4:13:17**
